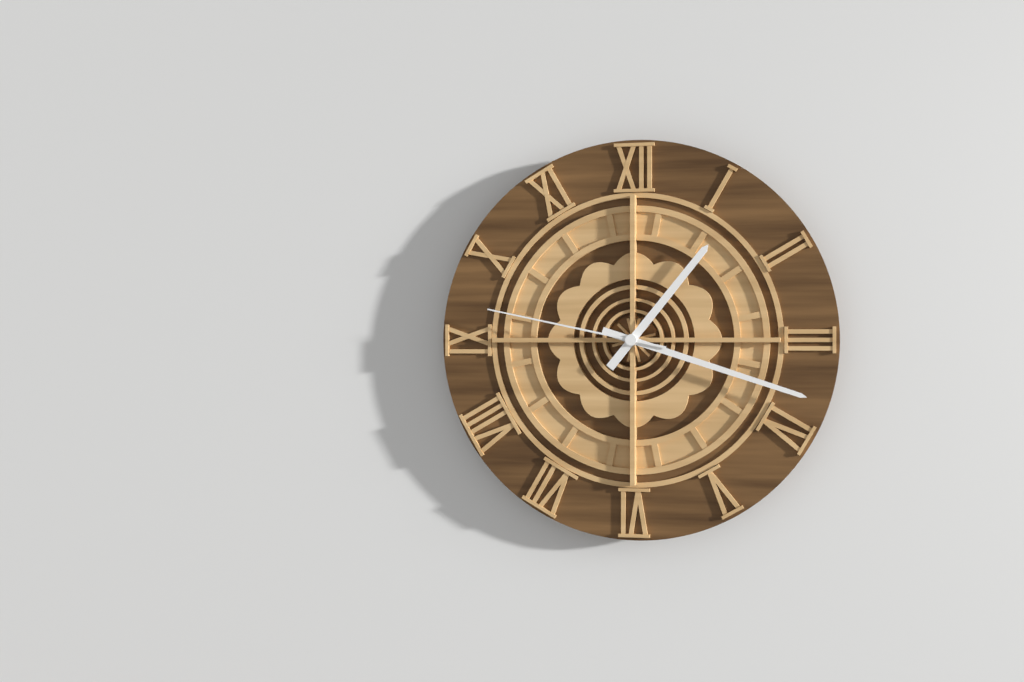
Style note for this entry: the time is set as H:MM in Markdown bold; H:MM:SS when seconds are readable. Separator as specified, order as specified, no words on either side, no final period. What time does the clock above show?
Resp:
**1:18:47**
